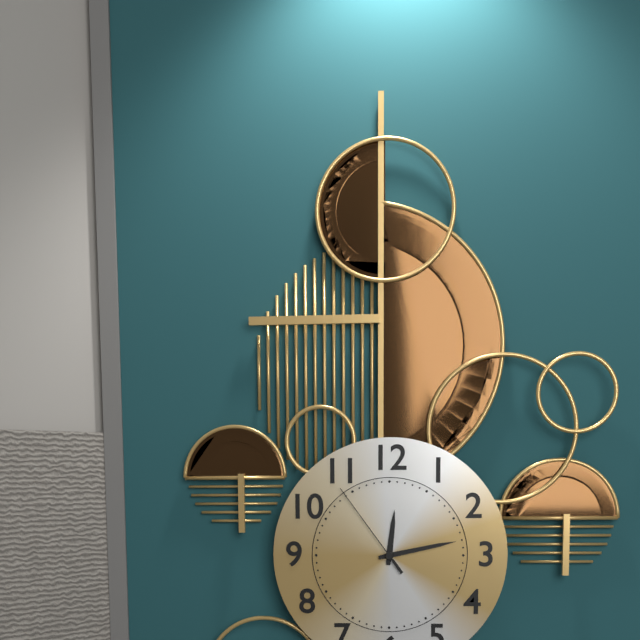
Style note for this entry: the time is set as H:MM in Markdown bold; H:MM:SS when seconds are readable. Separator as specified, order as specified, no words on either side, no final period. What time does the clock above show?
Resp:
**12:13:54**
